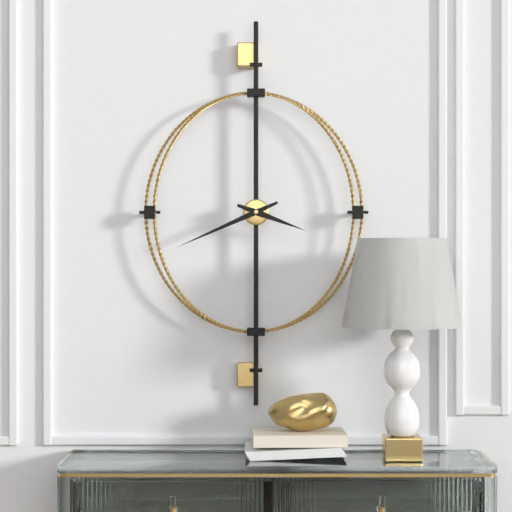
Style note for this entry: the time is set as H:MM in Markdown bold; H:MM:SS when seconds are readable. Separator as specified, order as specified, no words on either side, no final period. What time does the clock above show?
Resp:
**3:41**
